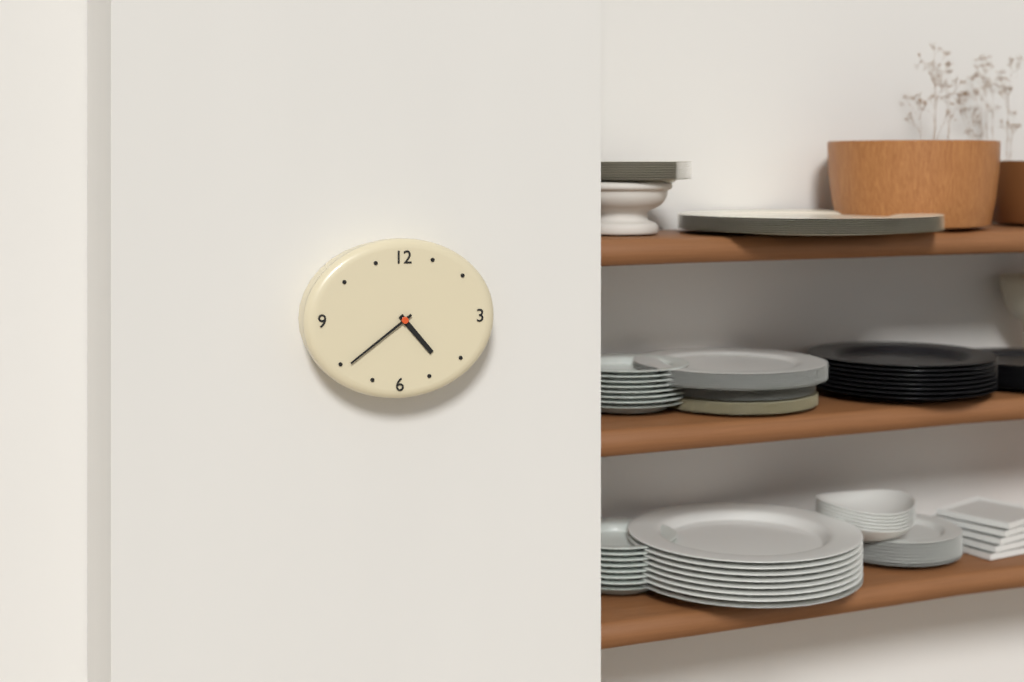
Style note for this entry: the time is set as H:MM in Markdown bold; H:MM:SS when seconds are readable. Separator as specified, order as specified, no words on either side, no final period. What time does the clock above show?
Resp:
**4:39**
